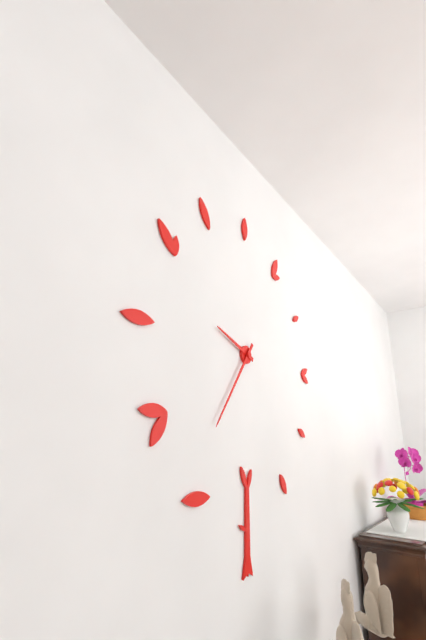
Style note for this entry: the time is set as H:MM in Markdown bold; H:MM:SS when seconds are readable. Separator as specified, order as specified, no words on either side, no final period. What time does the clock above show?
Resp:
**9:36**
